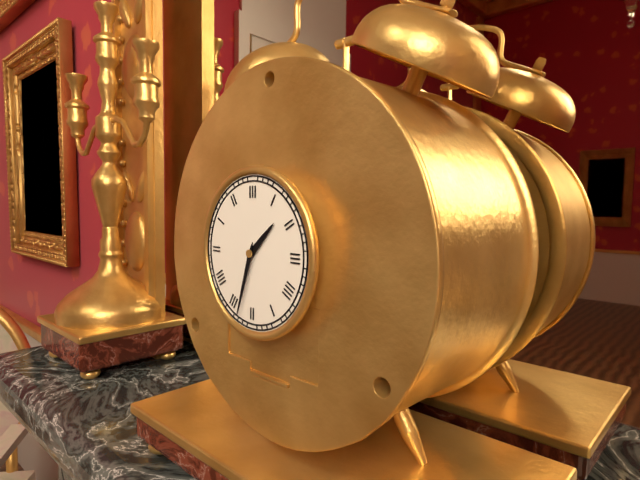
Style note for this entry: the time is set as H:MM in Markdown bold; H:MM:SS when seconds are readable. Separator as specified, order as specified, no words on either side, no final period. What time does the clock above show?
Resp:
**1:33**
